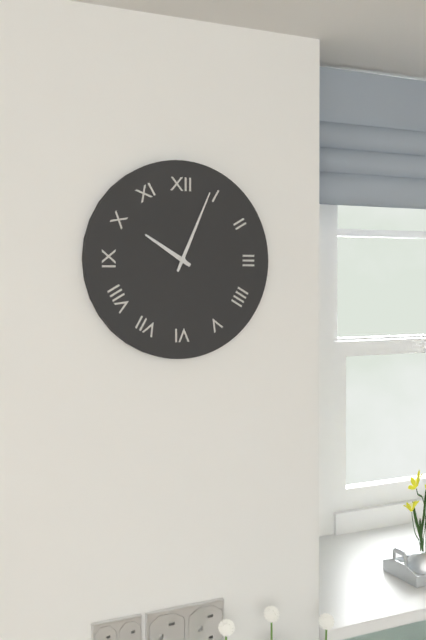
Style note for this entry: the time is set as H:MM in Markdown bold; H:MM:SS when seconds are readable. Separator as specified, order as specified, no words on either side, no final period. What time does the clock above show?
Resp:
**10:04**
